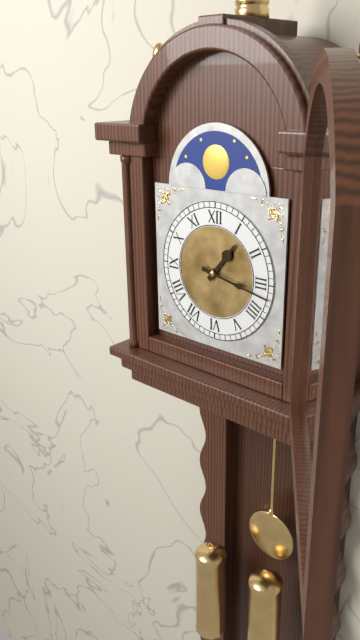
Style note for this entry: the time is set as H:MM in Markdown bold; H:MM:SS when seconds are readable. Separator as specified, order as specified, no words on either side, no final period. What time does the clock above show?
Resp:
**1:17**
